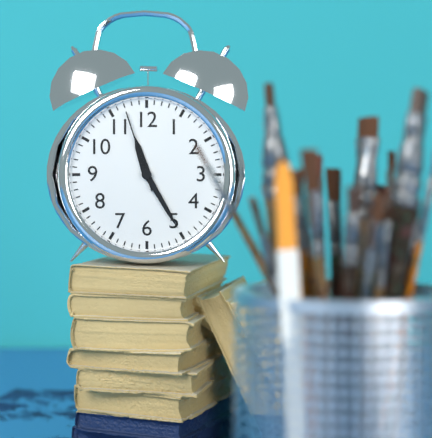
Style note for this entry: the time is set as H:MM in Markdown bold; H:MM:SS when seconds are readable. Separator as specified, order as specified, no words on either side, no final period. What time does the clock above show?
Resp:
**11:25:57**
